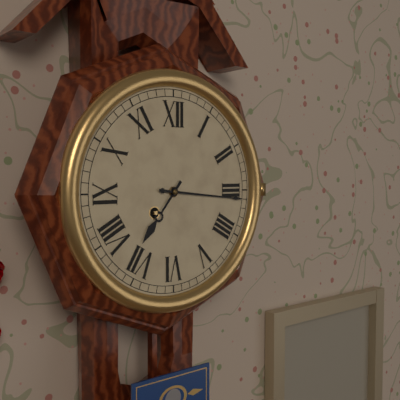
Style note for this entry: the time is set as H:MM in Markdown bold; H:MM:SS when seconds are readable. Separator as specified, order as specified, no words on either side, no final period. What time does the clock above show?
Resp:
**7:16**
